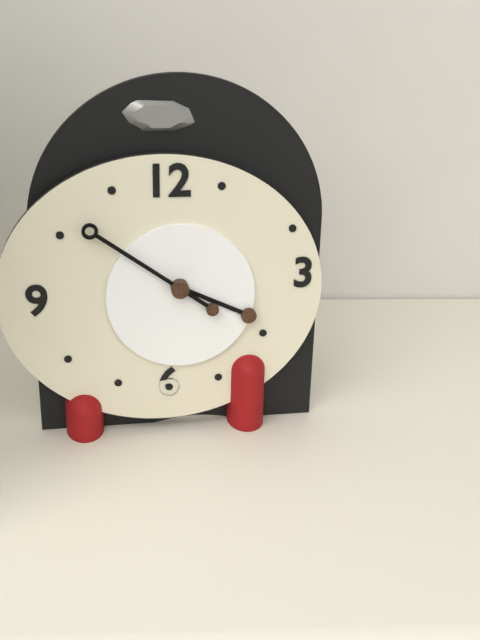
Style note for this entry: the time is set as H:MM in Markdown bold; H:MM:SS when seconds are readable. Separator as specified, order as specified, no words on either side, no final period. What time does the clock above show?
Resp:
**3:51**
